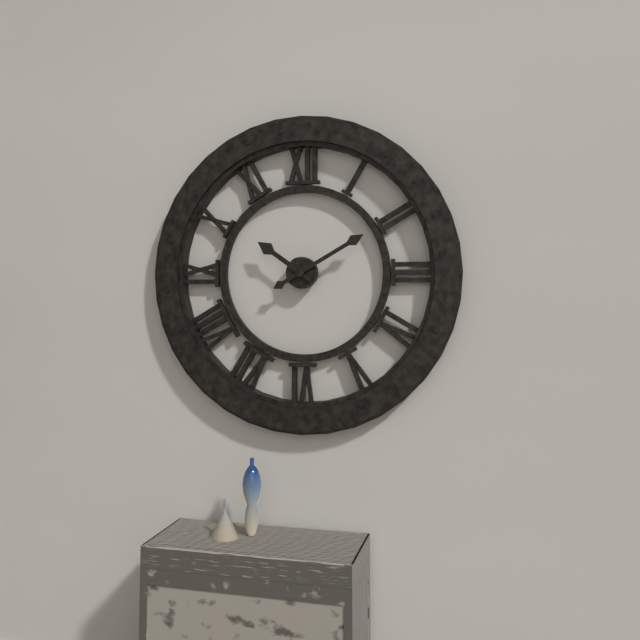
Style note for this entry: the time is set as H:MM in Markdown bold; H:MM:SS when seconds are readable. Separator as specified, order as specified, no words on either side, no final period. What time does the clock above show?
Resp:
**10:10**
